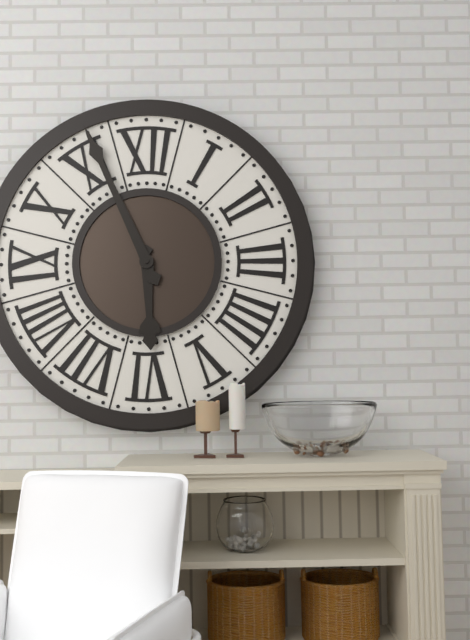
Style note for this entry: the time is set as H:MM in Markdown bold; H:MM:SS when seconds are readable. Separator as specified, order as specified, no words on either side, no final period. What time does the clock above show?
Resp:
**5:56**
